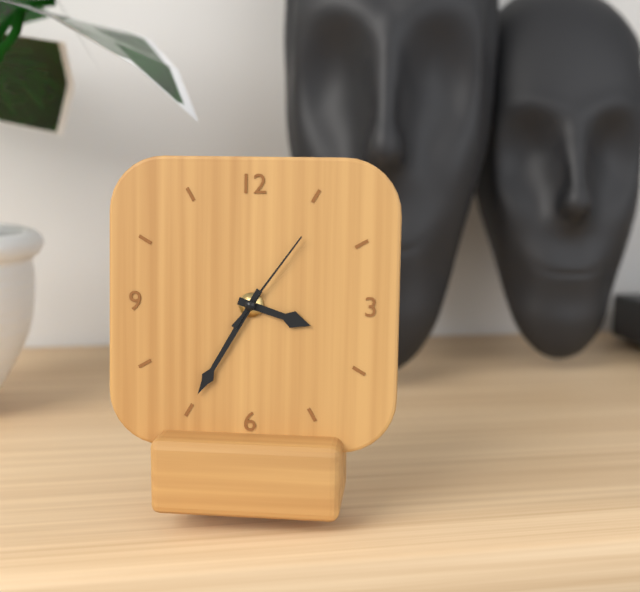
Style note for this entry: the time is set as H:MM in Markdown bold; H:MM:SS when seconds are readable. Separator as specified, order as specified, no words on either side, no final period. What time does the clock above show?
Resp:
**3:35:06**
